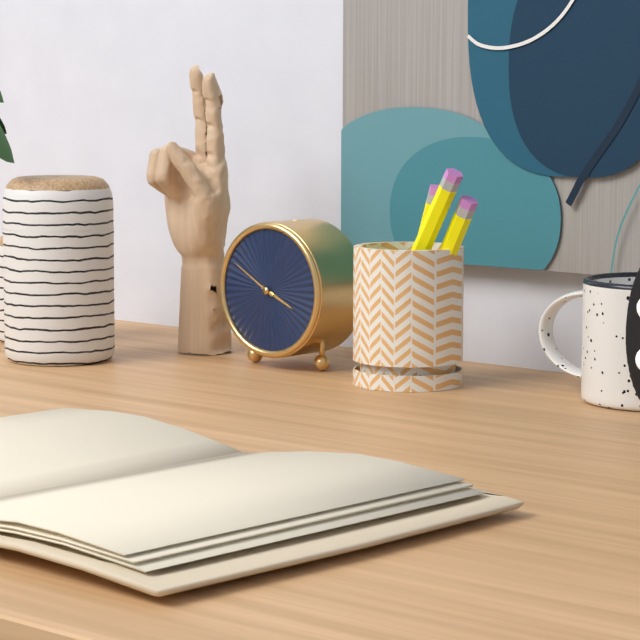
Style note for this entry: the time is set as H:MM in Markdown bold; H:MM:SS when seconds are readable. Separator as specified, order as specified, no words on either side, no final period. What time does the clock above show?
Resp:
**3:50**
